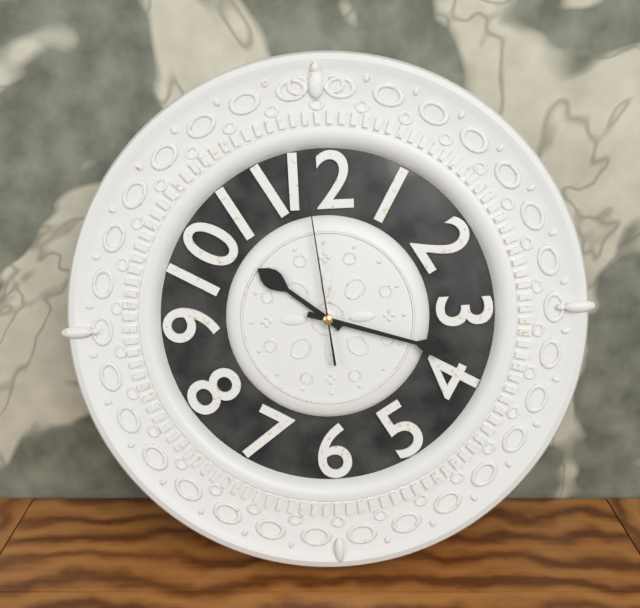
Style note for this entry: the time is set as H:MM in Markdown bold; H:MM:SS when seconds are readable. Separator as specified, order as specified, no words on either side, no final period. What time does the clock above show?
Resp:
**10:18:59**
